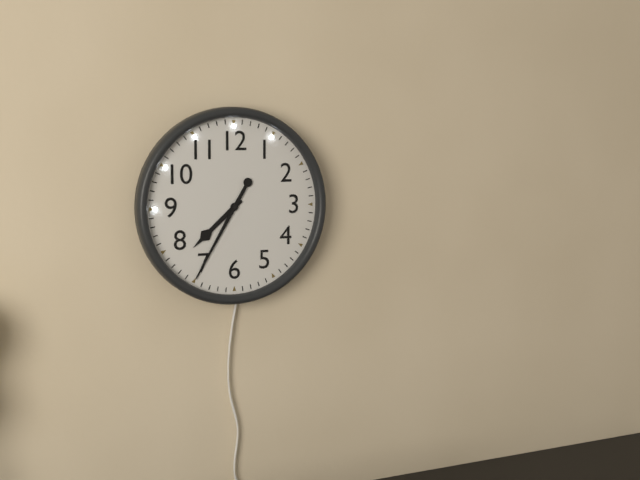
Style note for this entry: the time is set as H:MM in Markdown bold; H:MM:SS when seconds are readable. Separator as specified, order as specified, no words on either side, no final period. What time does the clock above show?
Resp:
**7:35**
